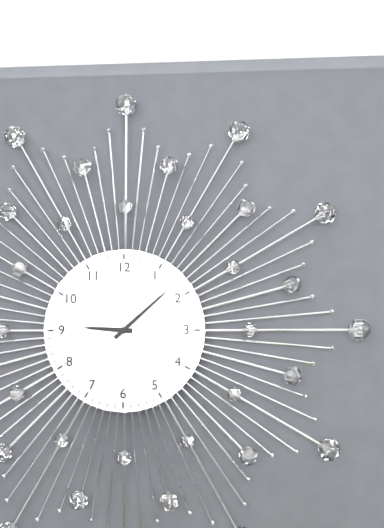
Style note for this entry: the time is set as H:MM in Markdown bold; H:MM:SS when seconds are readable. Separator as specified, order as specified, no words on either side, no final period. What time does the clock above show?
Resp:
**9:08**
